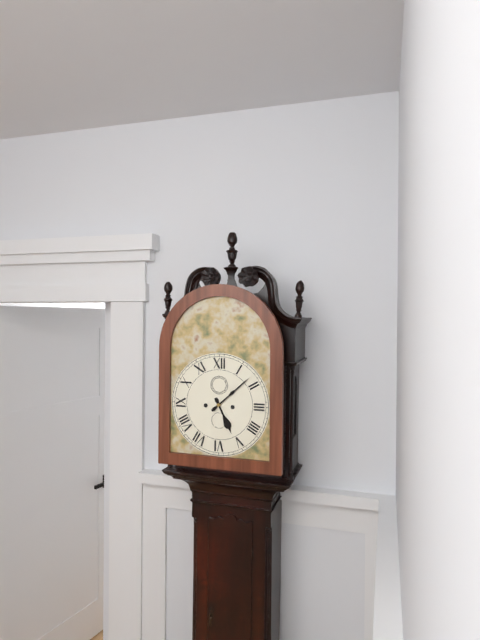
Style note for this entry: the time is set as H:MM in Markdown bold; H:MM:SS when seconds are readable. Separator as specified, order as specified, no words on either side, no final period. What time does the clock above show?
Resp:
**5:08**
